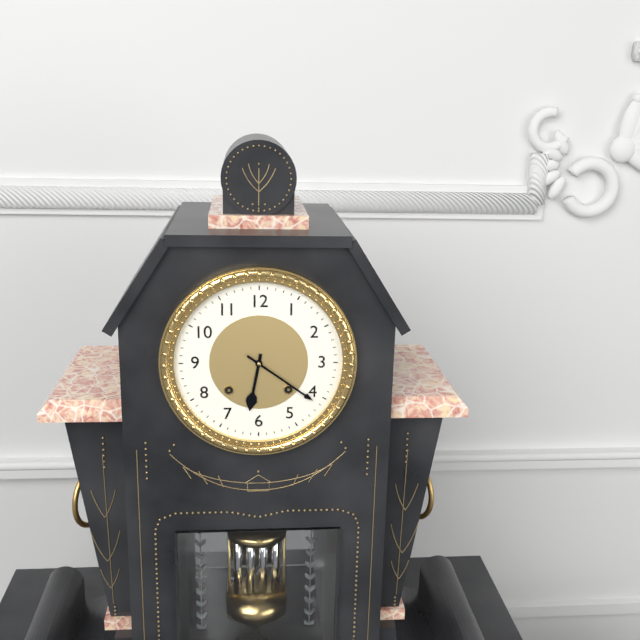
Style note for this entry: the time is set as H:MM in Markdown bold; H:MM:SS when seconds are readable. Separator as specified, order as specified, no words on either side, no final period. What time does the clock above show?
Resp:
**6:21**
